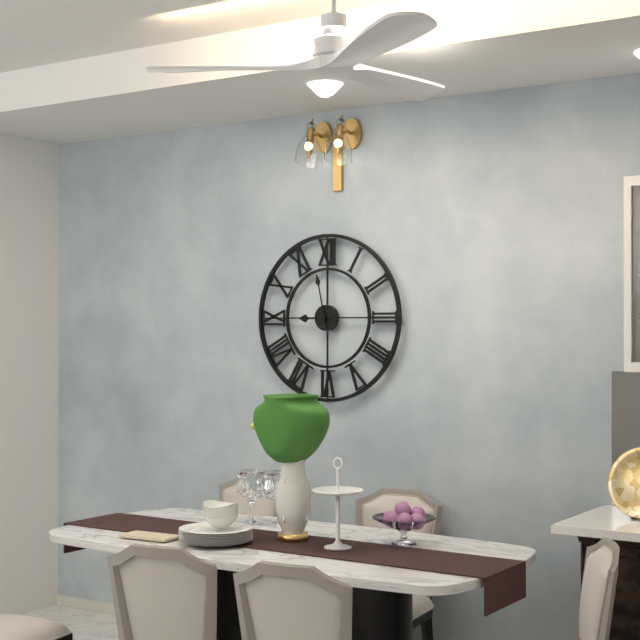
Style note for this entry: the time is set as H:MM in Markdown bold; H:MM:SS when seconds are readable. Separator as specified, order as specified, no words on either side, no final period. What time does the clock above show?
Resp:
**8:58**
